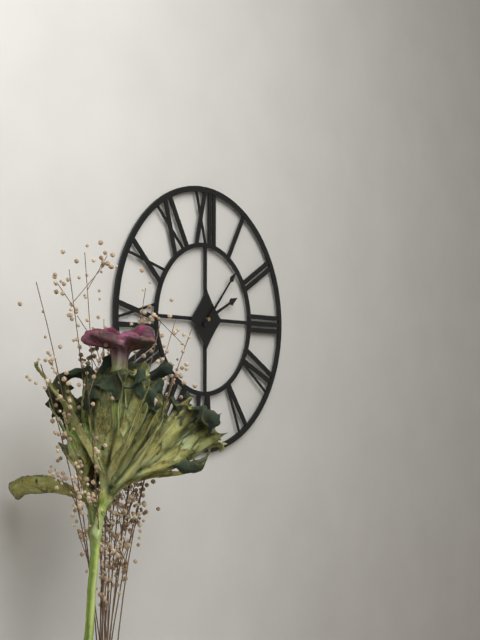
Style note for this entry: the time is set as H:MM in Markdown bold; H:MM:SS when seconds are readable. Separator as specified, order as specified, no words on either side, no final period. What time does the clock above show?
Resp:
**2:07**
